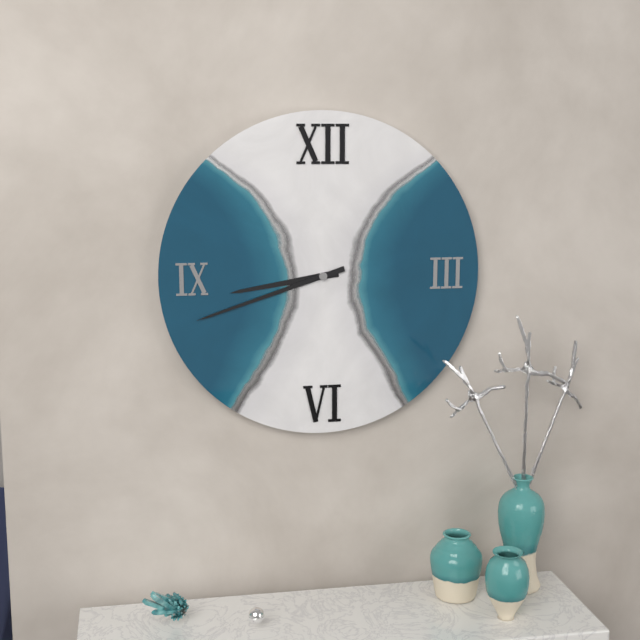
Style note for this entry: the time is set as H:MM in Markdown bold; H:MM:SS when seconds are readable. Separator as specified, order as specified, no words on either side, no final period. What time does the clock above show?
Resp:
**8:42**
